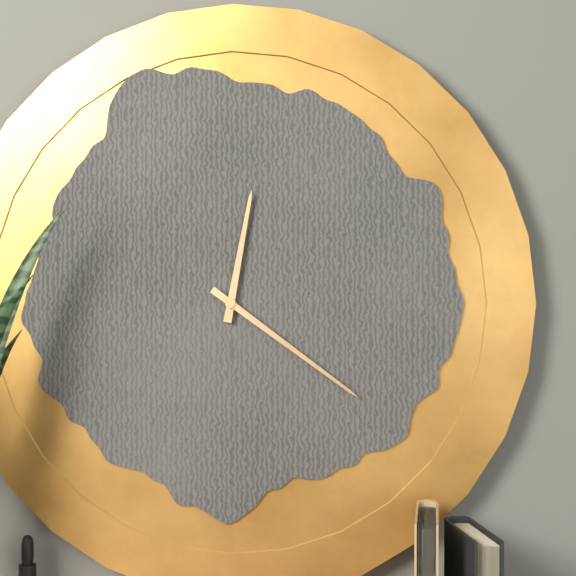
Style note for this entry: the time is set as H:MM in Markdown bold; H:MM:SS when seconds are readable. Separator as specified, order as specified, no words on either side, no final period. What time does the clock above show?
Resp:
**12:21**
